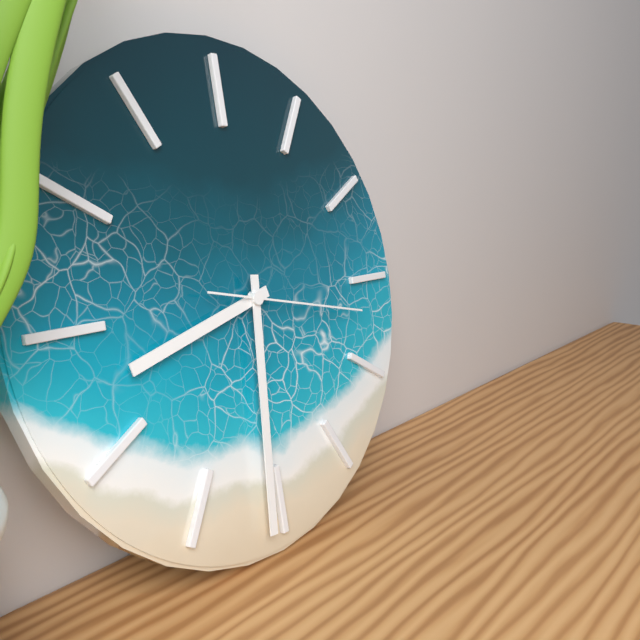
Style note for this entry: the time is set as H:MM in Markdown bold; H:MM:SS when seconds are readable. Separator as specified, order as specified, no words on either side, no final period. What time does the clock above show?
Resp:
**8:31:17**
